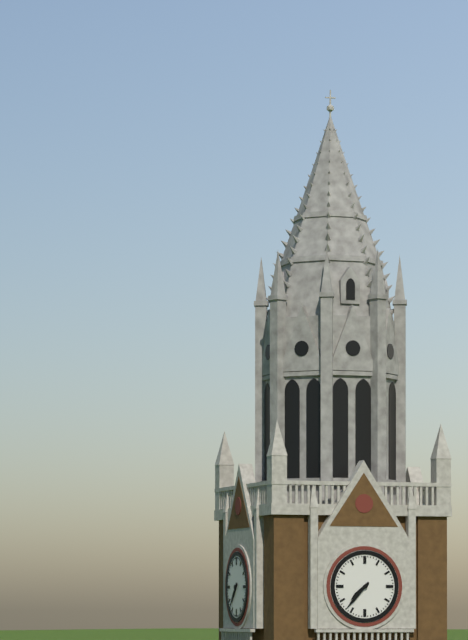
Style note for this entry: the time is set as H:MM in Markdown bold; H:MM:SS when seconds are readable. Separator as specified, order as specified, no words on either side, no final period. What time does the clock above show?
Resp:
**7:37**
